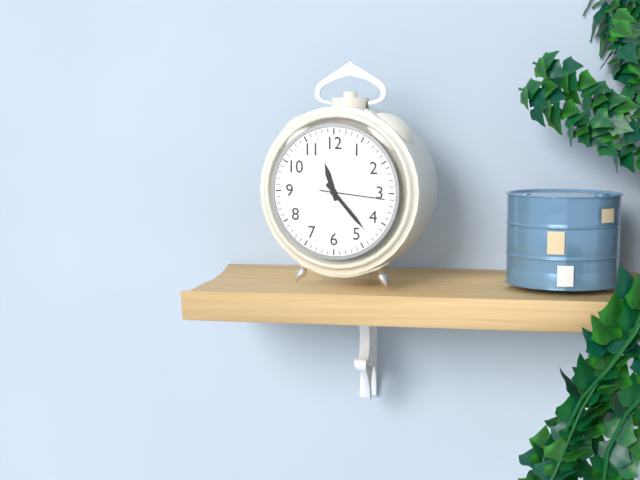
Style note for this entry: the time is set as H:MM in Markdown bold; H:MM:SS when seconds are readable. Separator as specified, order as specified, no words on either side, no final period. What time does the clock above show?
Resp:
**11:23:16**
